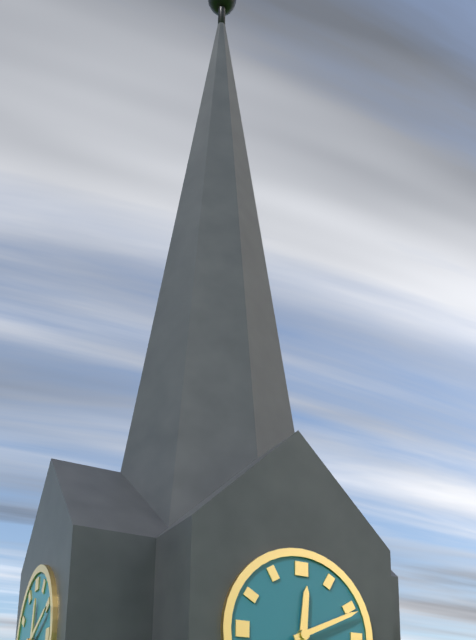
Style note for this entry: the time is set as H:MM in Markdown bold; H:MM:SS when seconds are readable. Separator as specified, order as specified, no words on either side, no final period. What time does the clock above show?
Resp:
**12:11**
